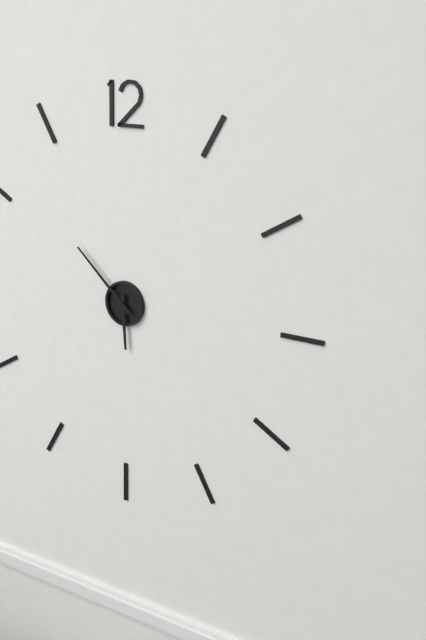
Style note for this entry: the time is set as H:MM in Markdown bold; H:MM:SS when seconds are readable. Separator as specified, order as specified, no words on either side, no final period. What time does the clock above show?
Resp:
**5:52**
